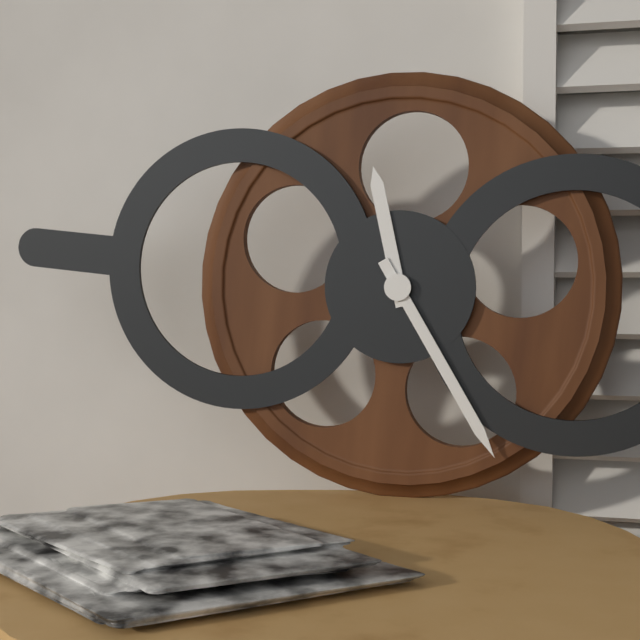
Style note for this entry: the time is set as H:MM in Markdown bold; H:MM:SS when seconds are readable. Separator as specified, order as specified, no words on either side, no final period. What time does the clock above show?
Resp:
**11:24**
